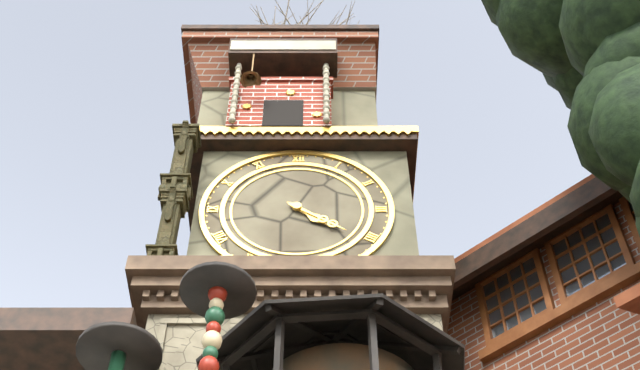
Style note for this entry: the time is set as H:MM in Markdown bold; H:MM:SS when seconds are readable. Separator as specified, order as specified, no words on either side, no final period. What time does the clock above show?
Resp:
**4:21**
